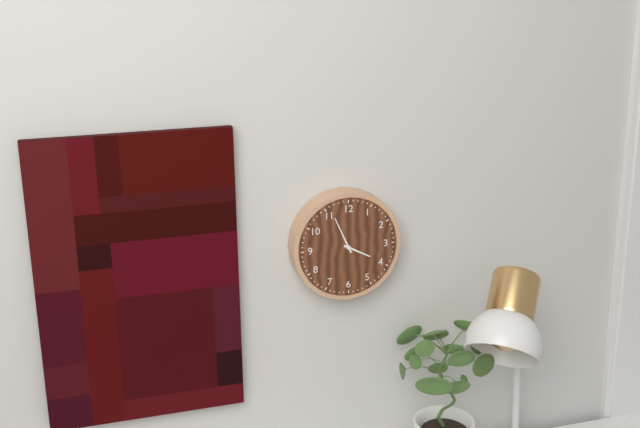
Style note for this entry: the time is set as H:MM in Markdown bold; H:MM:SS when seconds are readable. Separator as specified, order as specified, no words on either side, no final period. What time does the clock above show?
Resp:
**3:56**
